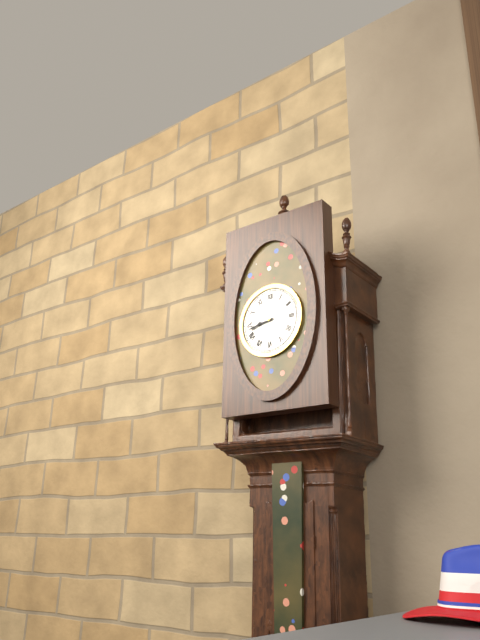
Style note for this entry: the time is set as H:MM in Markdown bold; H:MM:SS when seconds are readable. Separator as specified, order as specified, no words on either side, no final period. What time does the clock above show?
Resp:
**8:43**
